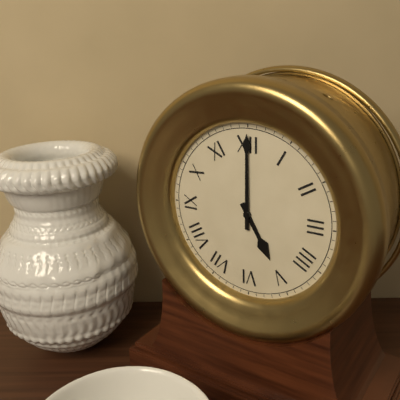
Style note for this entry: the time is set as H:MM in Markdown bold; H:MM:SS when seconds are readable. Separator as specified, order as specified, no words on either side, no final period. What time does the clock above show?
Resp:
**5:00**
